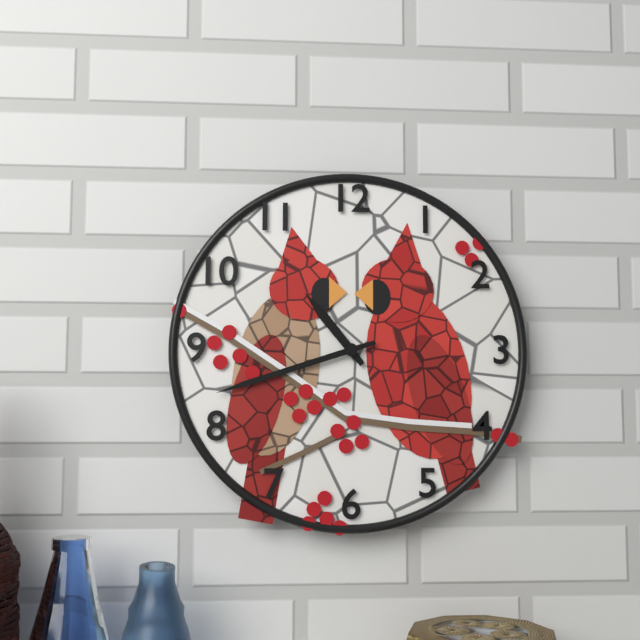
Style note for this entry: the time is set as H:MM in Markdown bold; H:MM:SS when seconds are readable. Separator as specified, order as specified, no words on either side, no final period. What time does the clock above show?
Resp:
**10:42**
